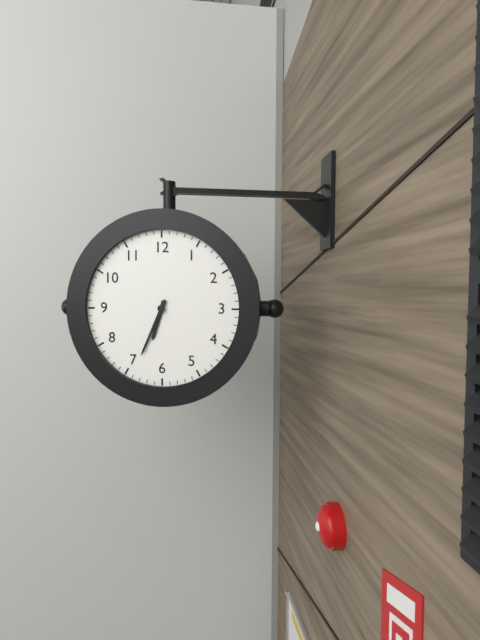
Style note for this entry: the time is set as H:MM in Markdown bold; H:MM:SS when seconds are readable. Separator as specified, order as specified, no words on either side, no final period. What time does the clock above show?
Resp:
**6:34**
